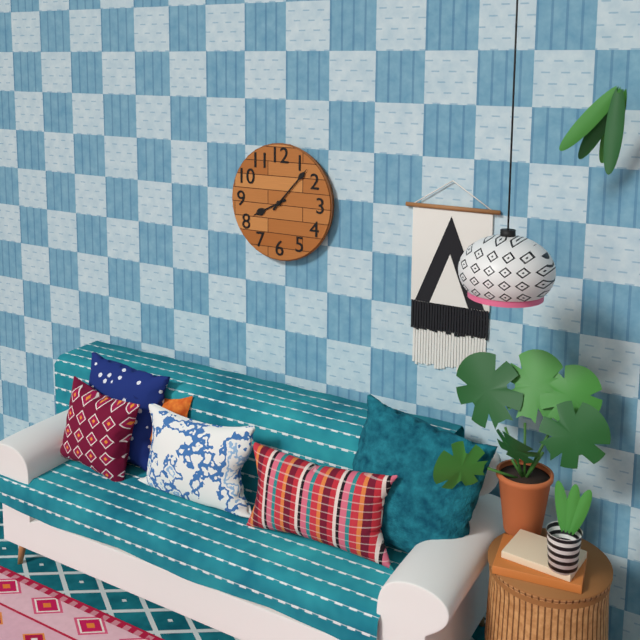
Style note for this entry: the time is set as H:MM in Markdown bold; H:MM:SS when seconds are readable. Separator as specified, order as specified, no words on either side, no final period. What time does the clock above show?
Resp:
**8:07**
